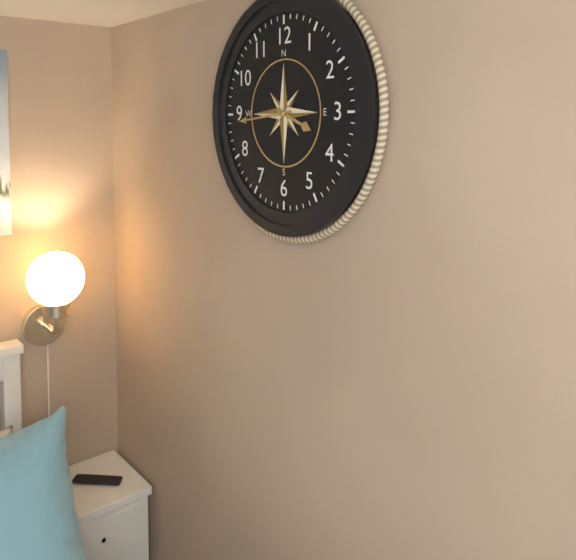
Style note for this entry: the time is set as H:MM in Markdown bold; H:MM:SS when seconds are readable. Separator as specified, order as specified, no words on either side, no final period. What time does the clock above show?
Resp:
**3:44**
